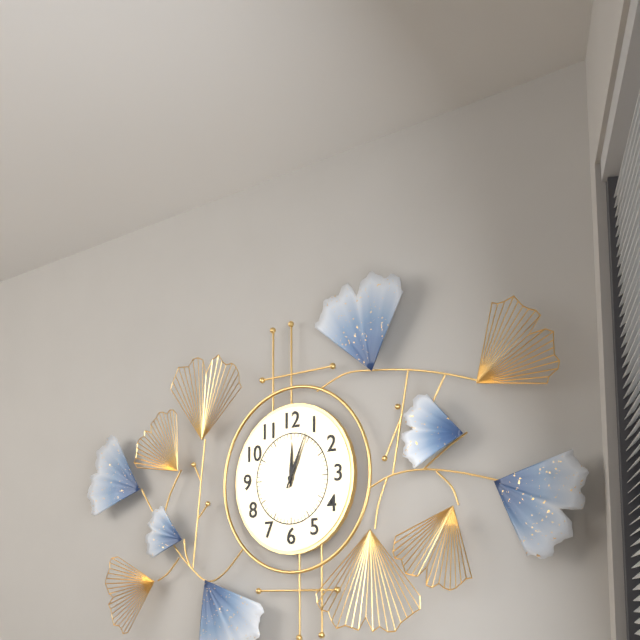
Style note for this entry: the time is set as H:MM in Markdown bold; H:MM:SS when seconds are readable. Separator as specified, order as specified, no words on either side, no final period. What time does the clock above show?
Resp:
**12:04**
